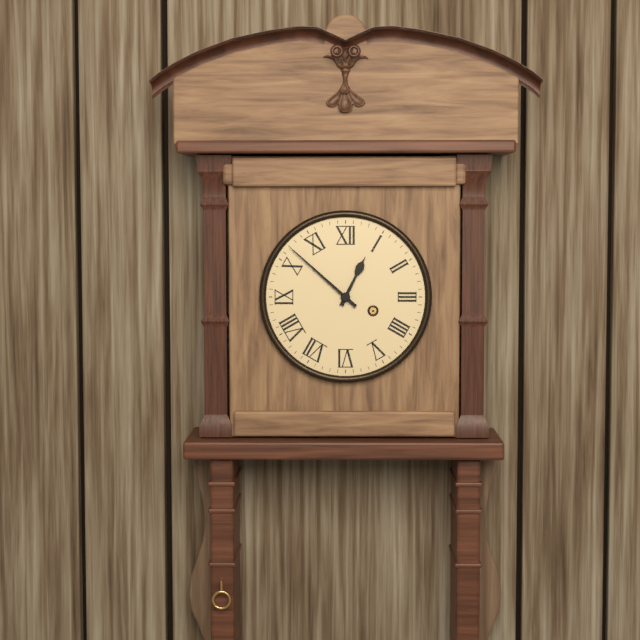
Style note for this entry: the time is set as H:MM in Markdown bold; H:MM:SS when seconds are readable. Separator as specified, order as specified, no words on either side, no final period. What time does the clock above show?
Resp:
**12:52**
